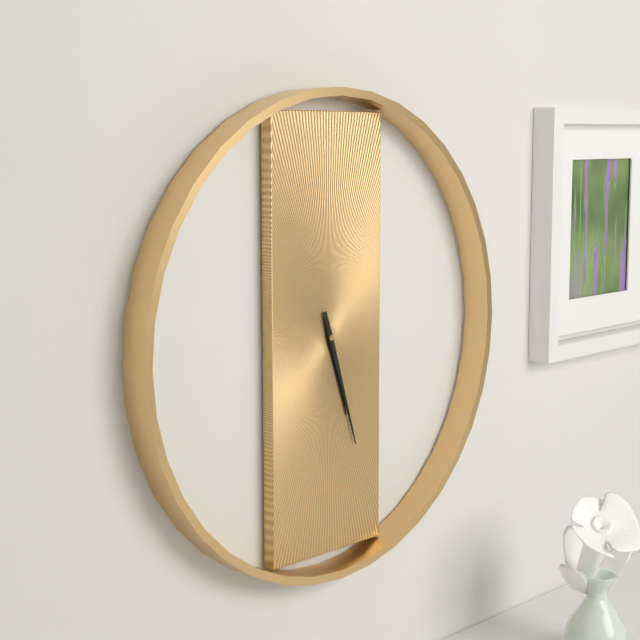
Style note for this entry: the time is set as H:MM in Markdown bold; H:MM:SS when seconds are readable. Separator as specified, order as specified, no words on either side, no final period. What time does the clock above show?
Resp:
**5:27**
